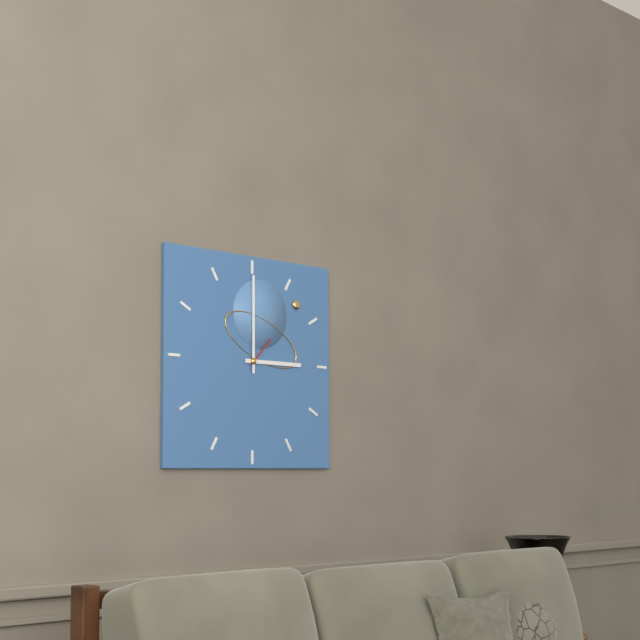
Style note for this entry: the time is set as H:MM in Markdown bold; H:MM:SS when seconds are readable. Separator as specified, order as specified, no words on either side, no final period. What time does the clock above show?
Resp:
**3:00**
